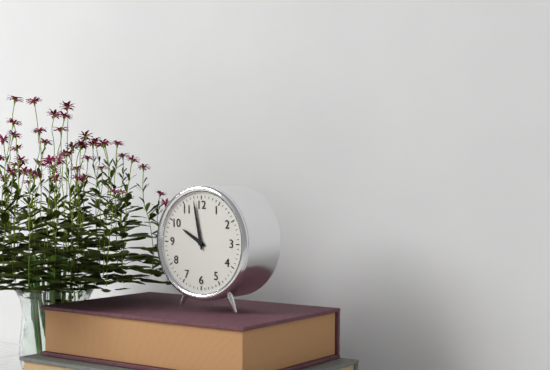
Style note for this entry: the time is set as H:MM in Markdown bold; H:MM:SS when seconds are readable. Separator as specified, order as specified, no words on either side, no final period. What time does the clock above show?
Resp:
**9:58**
